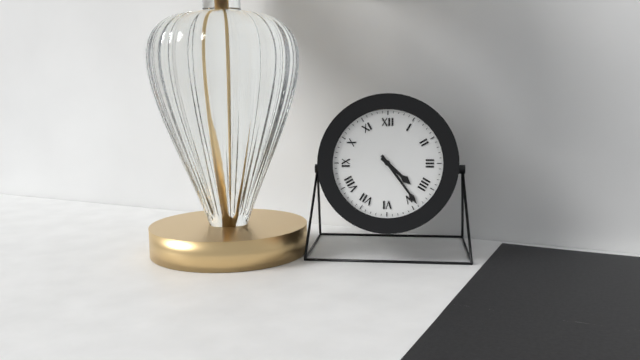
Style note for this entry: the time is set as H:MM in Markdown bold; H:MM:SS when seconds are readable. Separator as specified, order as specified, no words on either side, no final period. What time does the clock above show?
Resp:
**4:24**
